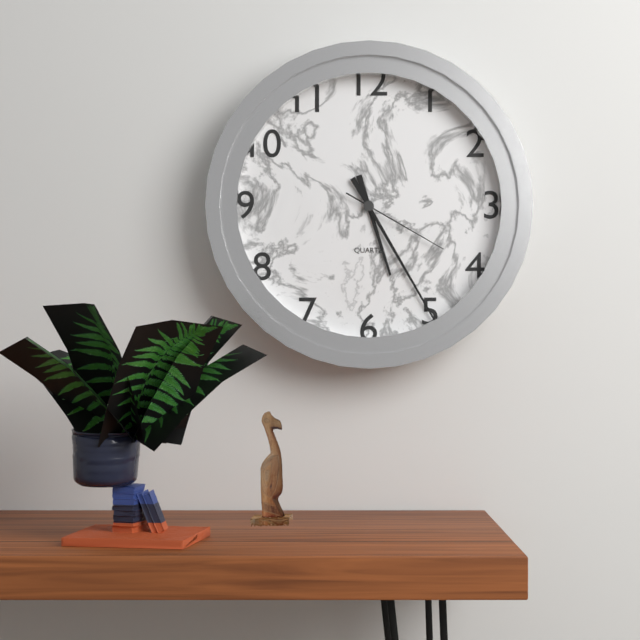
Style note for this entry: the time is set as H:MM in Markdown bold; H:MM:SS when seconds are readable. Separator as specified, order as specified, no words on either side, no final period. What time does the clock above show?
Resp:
**5:25:20**
